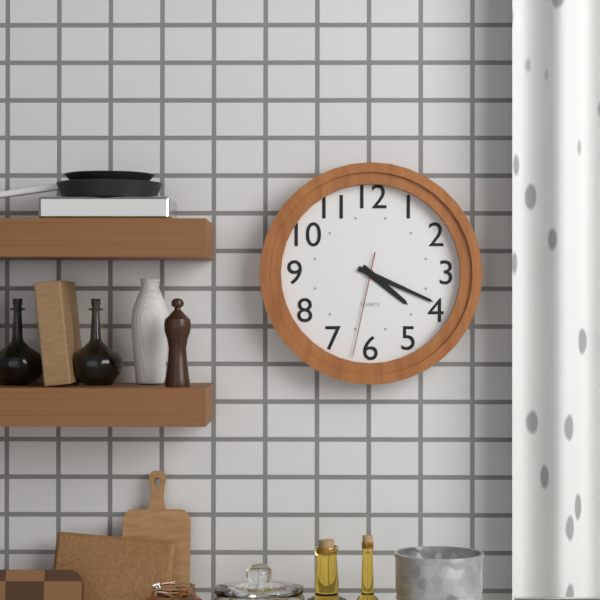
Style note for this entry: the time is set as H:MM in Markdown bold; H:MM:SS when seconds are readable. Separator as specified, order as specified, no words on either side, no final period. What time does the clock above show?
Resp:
**4:19:32**
